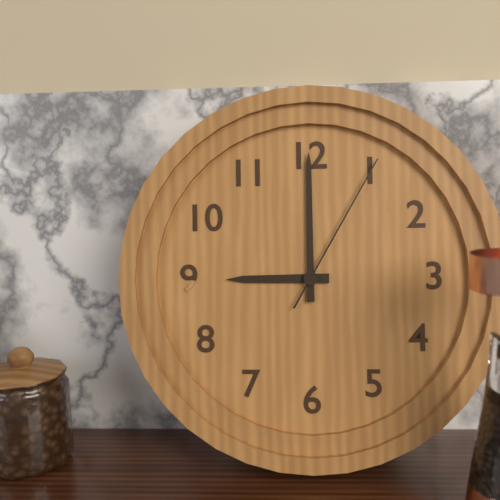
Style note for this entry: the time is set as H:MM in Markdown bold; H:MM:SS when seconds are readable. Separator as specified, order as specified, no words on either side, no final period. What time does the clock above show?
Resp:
**9:00:05**
